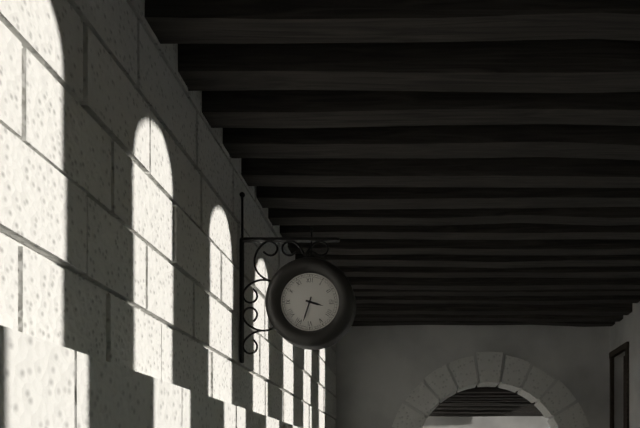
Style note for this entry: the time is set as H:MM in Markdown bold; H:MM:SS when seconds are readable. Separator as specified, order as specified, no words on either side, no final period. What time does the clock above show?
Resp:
**3:33**
